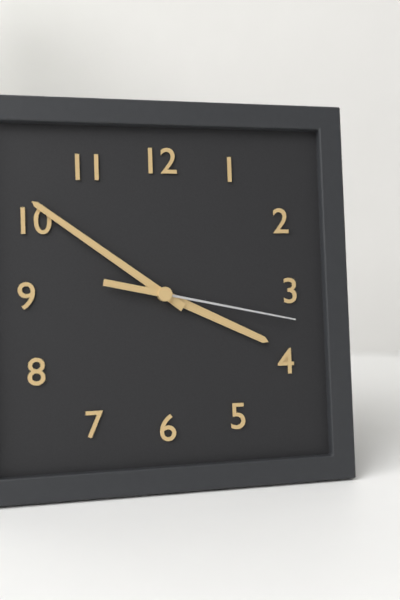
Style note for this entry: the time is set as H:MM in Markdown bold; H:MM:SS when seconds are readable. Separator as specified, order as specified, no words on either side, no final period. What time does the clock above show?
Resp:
**3:51:17**
